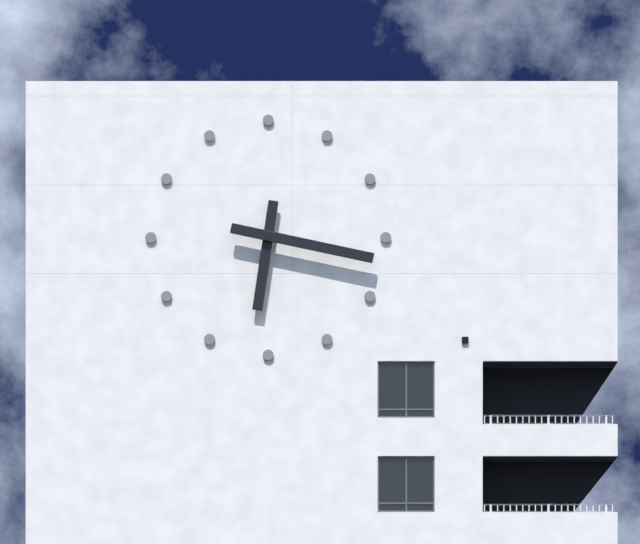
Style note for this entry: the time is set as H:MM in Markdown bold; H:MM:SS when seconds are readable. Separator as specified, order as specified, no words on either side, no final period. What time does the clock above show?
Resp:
**6:17**
